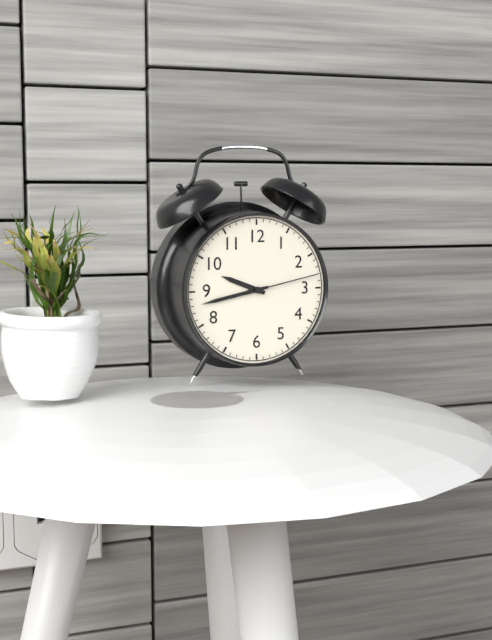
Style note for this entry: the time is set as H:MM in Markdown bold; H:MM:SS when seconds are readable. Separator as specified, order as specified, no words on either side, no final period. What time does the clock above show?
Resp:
**9:43:13**
